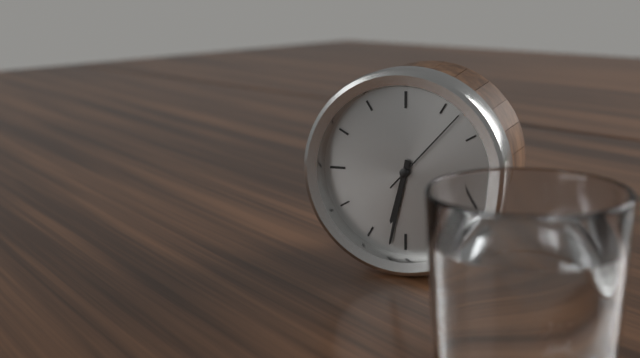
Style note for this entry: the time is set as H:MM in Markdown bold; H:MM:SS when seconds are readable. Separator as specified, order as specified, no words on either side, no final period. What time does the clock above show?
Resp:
**6:32:07**
